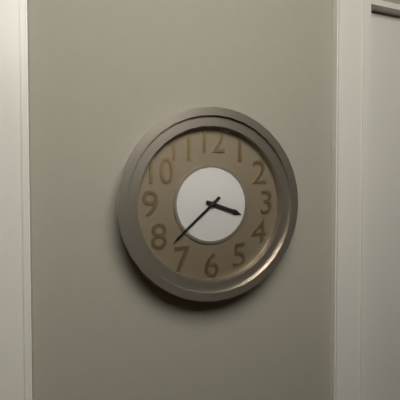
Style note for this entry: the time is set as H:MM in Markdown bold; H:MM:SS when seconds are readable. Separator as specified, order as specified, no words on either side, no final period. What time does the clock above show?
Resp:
**3:38**
